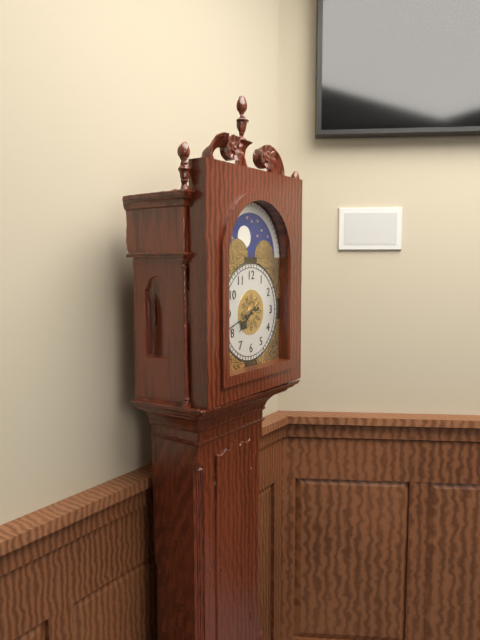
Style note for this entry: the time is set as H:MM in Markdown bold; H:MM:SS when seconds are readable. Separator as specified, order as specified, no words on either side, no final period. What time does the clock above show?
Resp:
**7:42**
